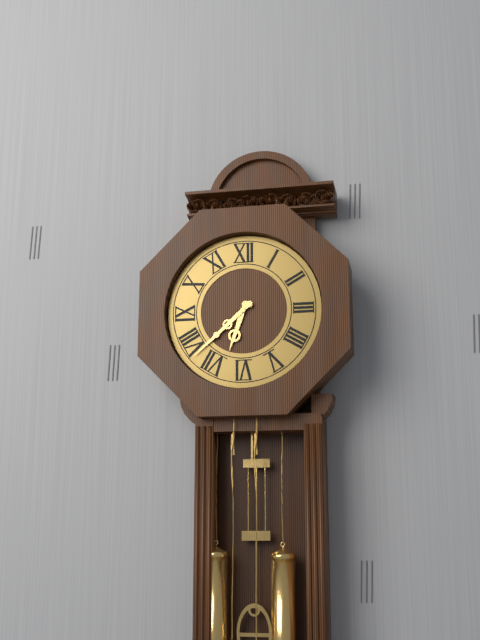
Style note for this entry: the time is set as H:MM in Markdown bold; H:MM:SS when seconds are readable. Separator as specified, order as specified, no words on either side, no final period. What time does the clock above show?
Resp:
**6:38**
